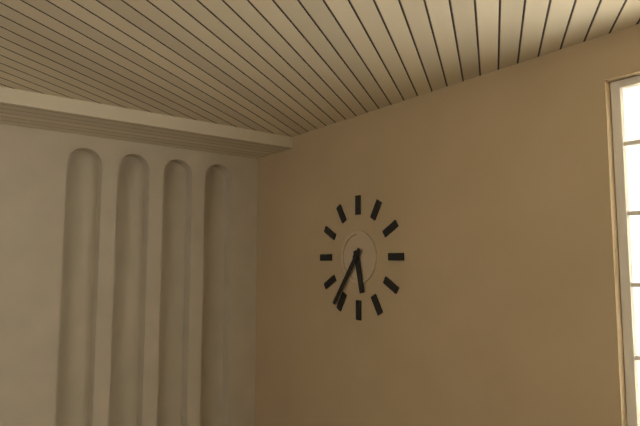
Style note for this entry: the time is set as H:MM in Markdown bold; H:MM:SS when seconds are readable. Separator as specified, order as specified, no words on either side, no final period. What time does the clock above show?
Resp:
**5:36**
